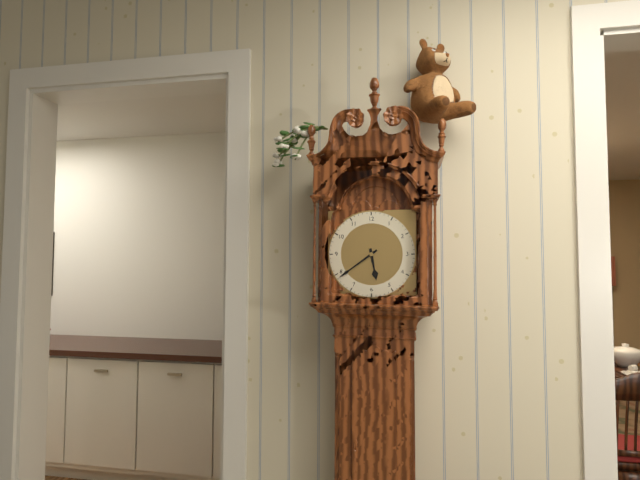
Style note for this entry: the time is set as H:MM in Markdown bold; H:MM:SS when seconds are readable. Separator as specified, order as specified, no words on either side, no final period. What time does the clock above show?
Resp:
**5:39**
